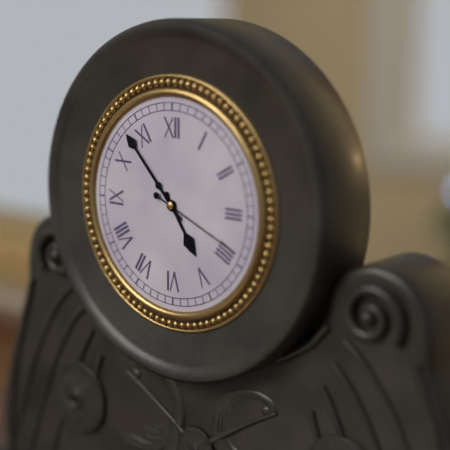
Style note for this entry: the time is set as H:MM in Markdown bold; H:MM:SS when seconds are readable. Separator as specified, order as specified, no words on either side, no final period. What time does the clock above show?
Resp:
**4:53:19**
